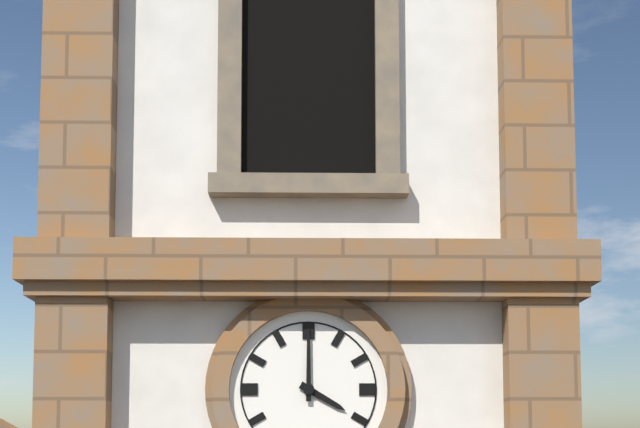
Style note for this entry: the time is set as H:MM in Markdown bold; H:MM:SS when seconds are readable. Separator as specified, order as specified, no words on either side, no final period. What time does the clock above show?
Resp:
**4:00**
